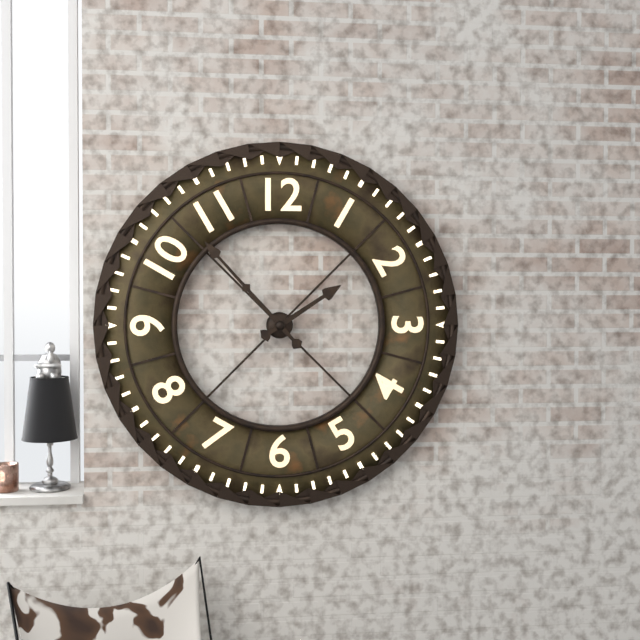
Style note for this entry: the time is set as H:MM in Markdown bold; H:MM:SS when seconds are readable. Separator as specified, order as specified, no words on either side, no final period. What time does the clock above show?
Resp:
**1:53**
